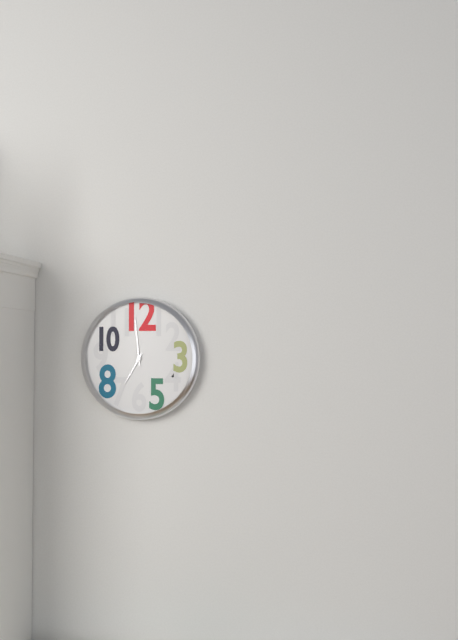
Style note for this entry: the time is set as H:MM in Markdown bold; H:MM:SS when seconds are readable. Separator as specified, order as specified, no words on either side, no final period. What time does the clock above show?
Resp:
**6:59**
